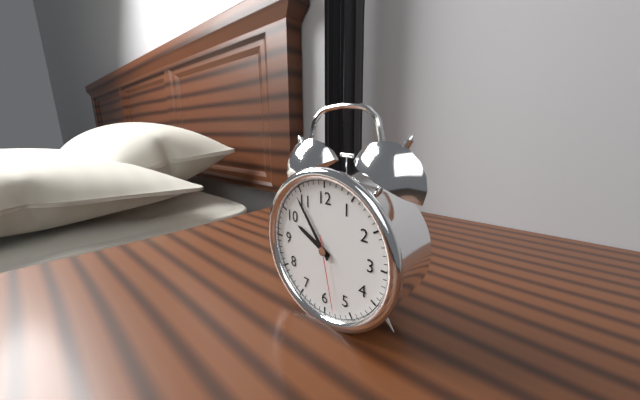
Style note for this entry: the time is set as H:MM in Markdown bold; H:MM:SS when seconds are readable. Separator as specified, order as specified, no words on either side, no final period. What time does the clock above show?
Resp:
**9:54:28**
